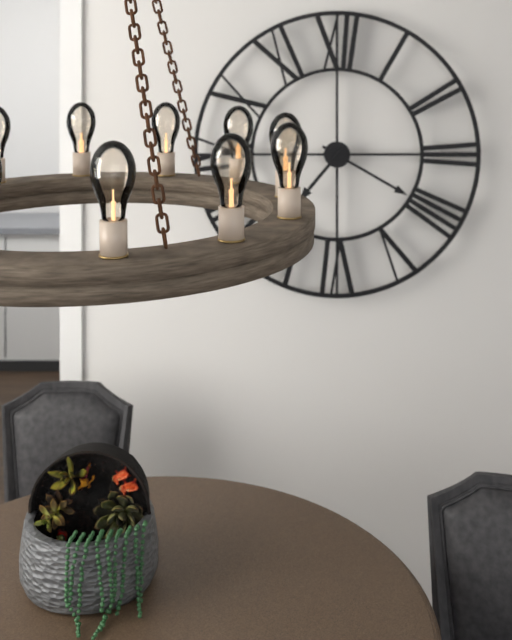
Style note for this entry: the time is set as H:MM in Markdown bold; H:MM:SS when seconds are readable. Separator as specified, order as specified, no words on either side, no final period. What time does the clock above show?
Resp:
**7:20**
